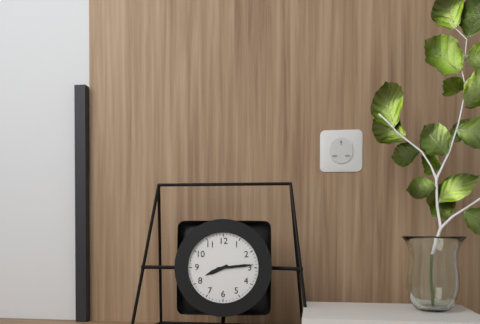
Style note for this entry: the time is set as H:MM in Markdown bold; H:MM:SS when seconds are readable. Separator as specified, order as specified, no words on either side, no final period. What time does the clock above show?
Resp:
**8:14**
